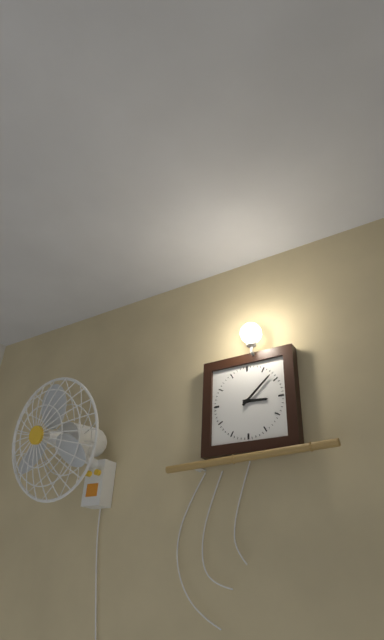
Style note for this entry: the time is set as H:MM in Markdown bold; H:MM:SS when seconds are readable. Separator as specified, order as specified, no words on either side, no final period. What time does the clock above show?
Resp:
**3:08**
